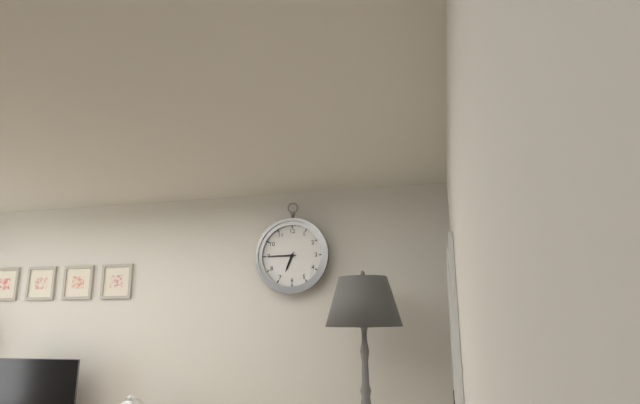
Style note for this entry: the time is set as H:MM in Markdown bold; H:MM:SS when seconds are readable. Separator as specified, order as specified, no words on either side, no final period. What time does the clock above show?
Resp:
**6:45**
